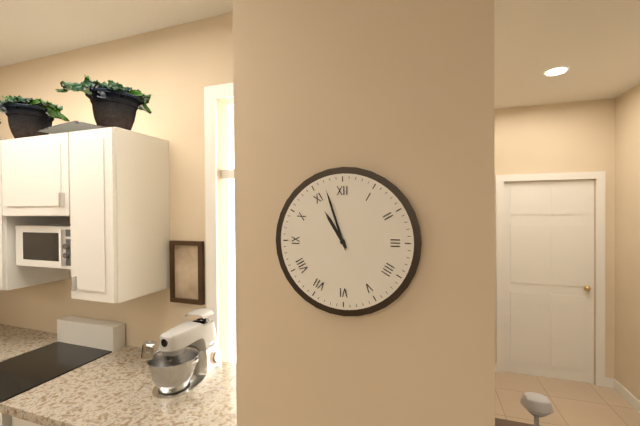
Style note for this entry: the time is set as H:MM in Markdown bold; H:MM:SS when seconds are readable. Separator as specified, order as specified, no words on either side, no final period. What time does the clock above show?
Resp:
**10:57**
